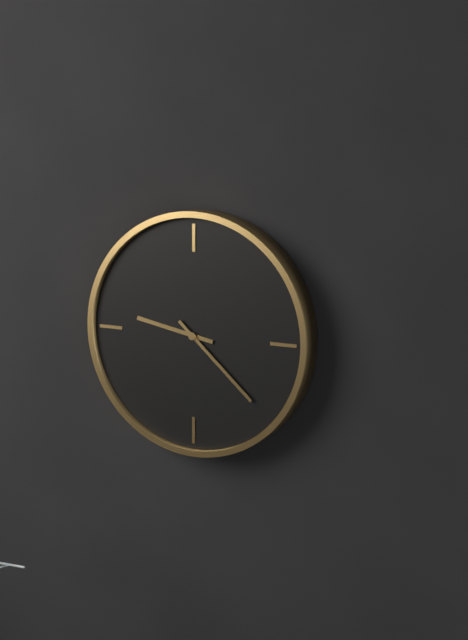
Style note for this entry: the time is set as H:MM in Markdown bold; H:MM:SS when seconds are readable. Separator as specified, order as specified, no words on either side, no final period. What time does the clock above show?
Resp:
**9:22**
